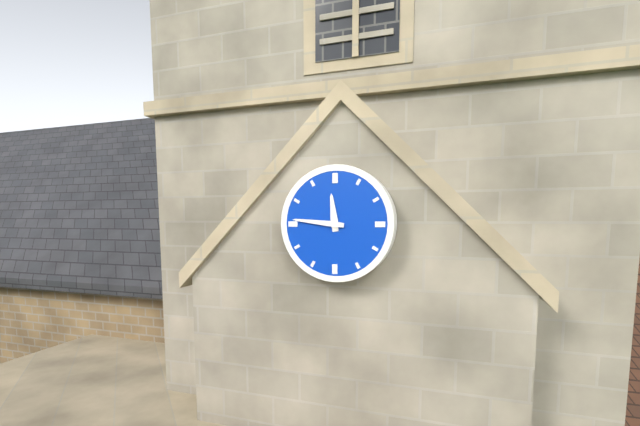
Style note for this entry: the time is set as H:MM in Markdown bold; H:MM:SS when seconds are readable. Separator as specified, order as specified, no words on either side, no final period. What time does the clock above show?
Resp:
**11:46**
